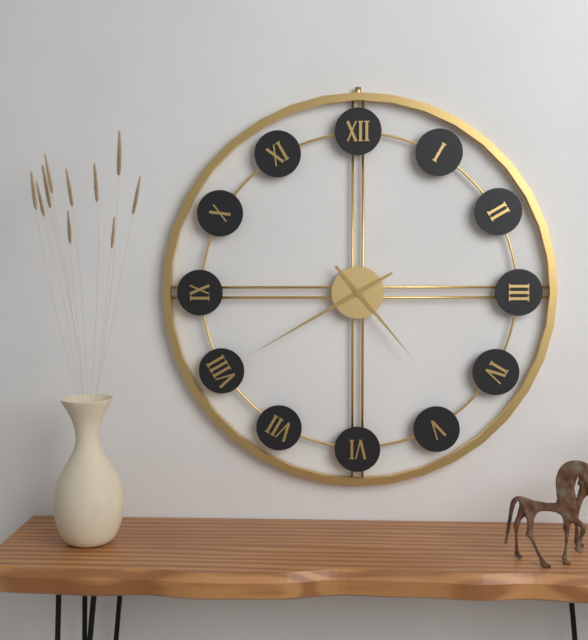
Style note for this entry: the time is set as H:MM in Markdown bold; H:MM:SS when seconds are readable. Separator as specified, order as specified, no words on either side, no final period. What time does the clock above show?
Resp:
**4:40**
